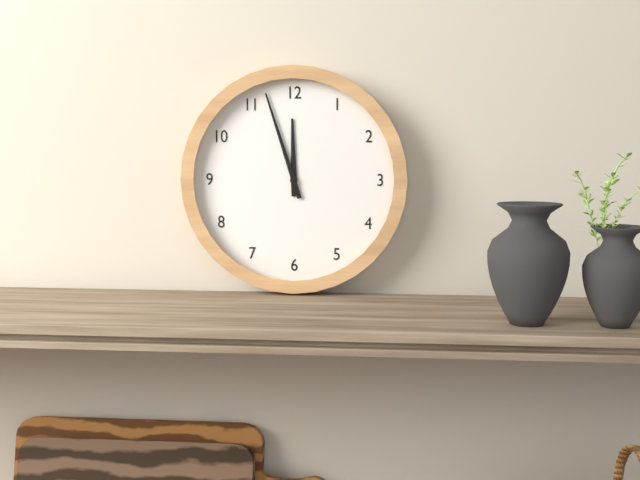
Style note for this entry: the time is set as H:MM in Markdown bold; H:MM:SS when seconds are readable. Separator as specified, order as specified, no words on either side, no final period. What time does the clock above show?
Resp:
**11:57**
